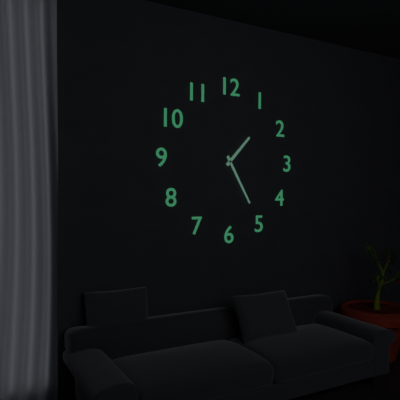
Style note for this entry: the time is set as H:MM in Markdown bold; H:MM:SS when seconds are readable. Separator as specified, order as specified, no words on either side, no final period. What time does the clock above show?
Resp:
**1:25**
